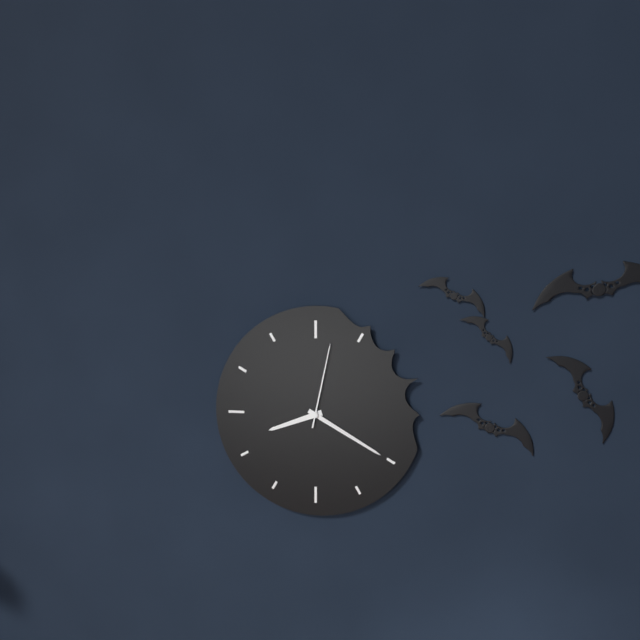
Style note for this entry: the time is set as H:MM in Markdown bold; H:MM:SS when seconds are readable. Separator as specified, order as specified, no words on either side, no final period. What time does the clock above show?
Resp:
**8:20:02**
